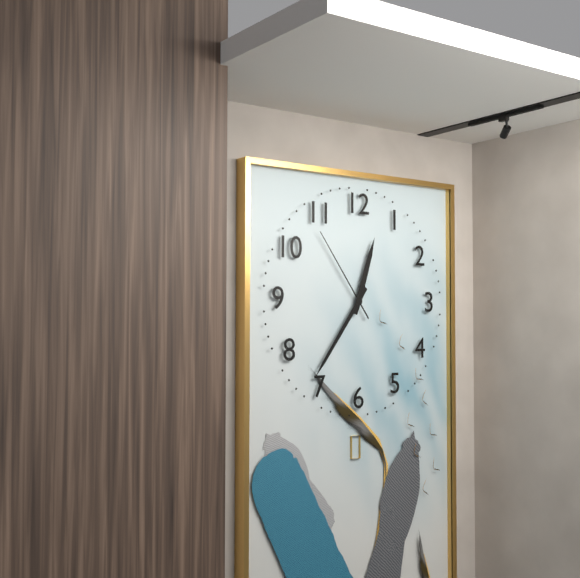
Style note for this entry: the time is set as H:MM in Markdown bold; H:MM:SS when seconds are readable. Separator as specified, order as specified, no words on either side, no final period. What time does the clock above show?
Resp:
**12:36:54**
